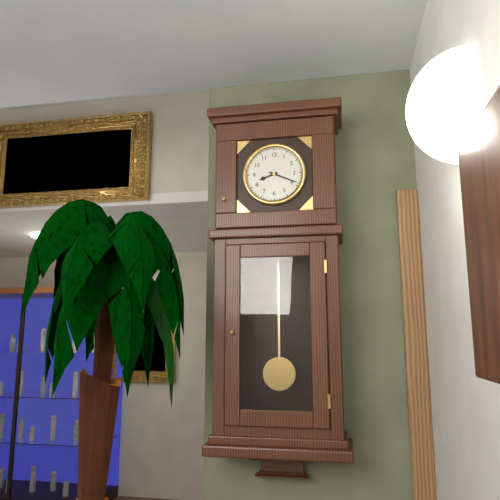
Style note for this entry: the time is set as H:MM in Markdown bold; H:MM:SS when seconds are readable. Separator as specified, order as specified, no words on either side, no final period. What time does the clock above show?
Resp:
**8:19**
